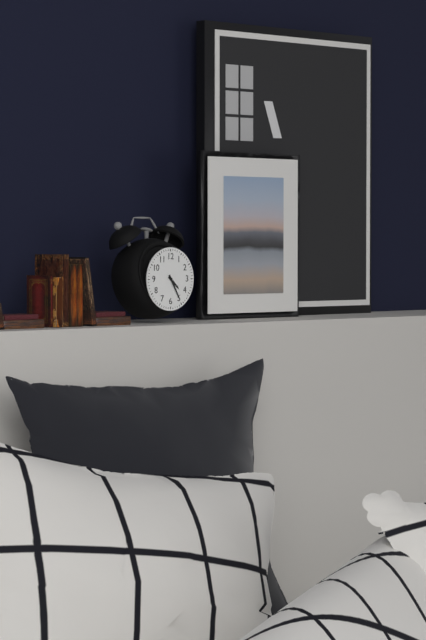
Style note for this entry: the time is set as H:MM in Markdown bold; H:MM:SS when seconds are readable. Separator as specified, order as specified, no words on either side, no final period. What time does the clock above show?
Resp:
**4:25**
